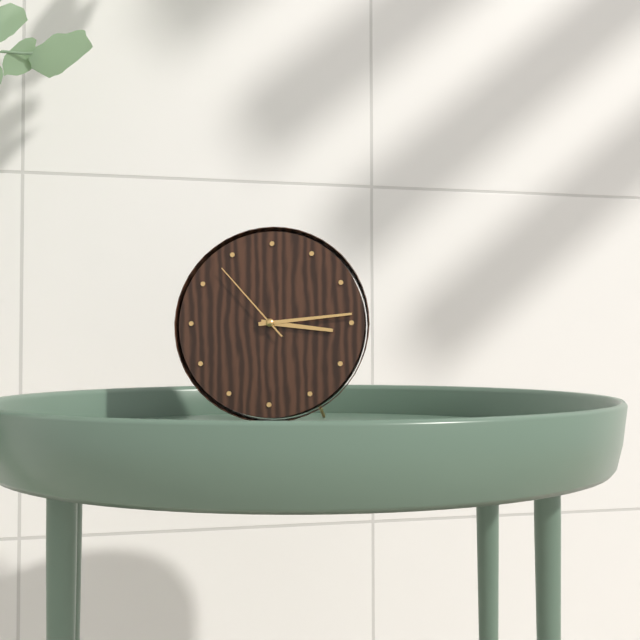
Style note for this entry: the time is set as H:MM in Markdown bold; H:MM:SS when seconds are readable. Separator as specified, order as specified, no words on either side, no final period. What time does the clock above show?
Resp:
**3:14:53**
